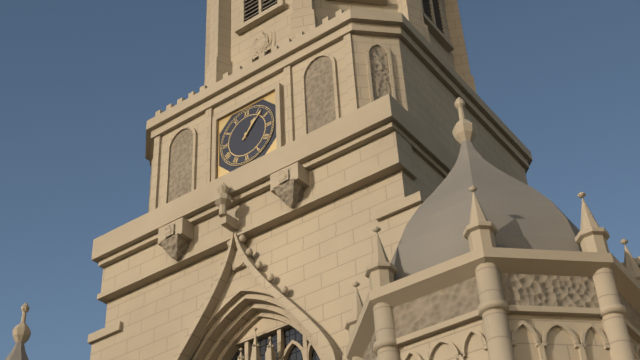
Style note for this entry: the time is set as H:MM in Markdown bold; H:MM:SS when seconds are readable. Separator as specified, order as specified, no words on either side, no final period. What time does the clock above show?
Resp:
**1:07**
